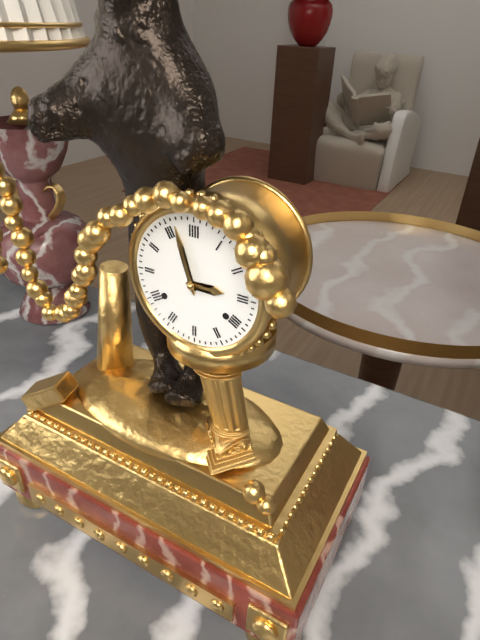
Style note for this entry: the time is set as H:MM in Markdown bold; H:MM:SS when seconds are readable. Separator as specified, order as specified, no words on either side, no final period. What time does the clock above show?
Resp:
**2:57**
